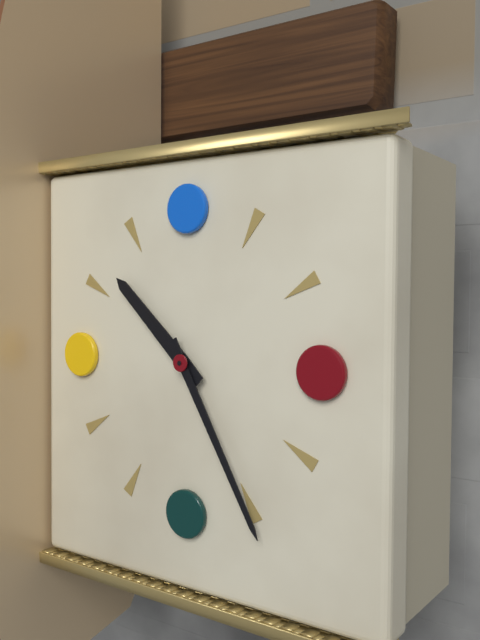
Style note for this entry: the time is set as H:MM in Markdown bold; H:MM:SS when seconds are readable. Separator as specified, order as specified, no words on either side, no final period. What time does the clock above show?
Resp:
**10:25**
